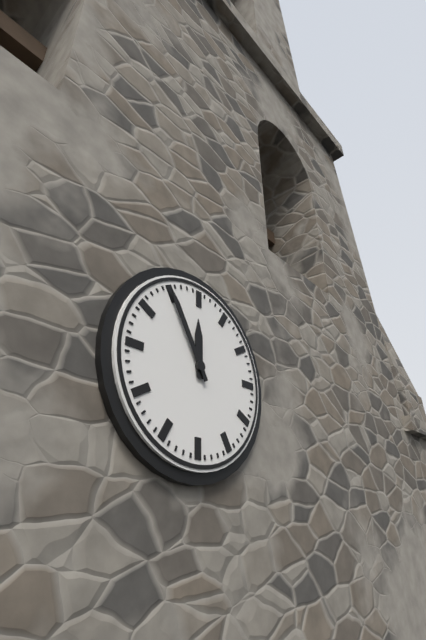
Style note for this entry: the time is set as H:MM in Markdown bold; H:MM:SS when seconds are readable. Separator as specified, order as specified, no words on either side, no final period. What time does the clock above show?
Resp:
**11:55**
